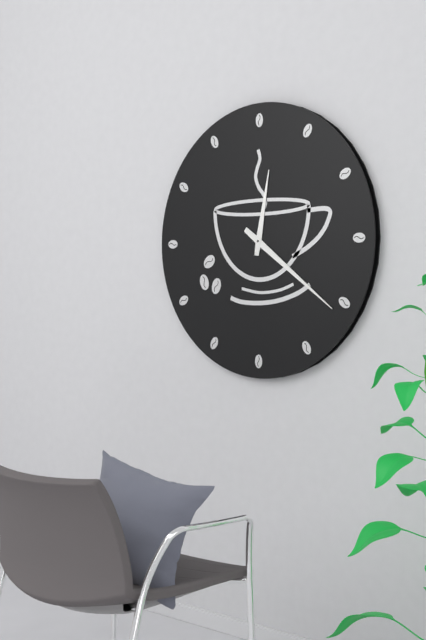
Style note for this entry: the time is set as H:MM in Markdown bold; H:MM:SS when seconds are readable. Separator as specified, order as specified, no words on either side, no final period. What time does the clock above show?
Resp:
**12:21**
